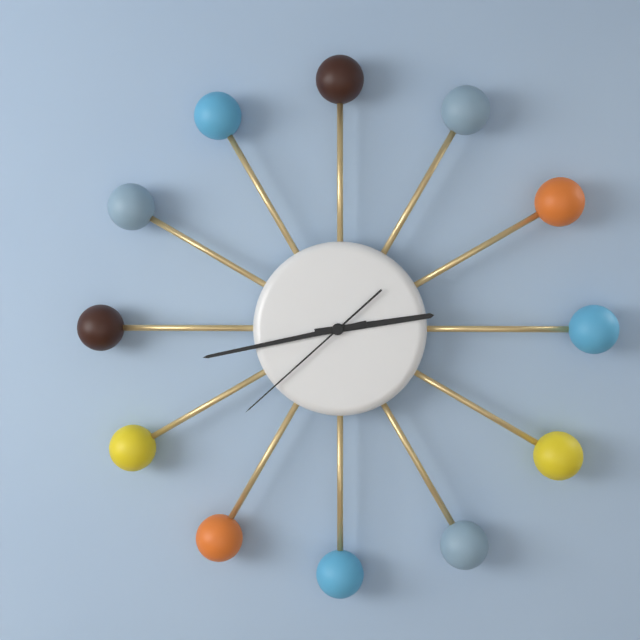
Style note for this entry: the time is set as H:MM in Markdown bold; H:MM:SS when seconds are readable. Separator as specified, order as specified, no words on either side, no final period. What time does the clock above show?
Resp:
**2:43:38**
